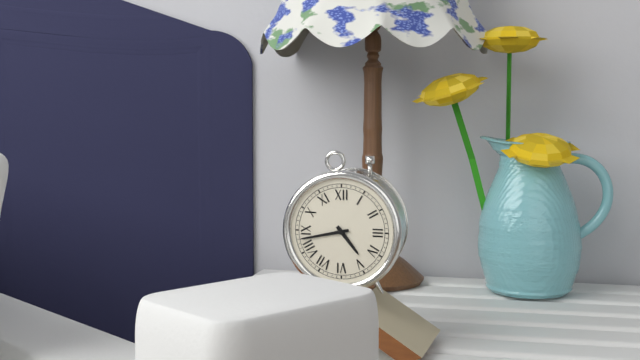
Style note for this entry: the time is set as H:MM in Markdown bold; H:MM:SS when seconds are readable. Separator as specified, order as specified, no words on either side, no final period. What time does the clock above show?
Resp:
**4:43**
